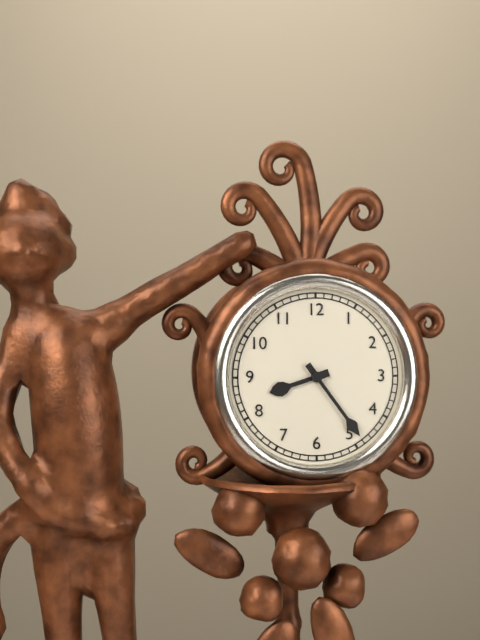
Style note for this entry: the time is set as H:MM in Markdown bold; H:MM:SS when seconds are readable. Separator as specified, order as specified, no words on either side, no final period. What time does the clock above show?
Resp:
**8:24**
